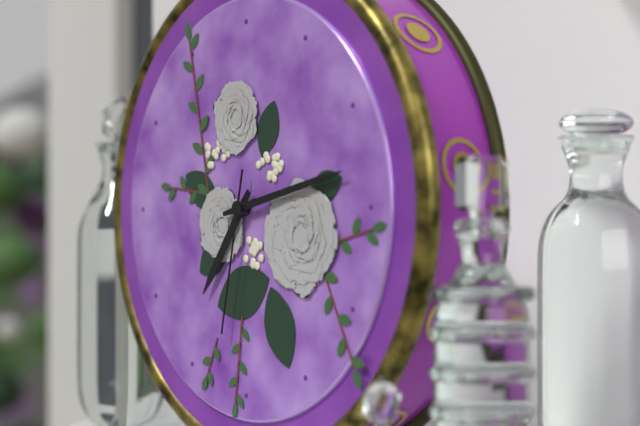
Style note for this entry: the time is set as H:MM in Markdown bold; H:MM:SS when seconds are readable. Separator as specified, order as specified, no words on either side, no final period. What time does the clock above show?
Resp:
**7:13:32**
